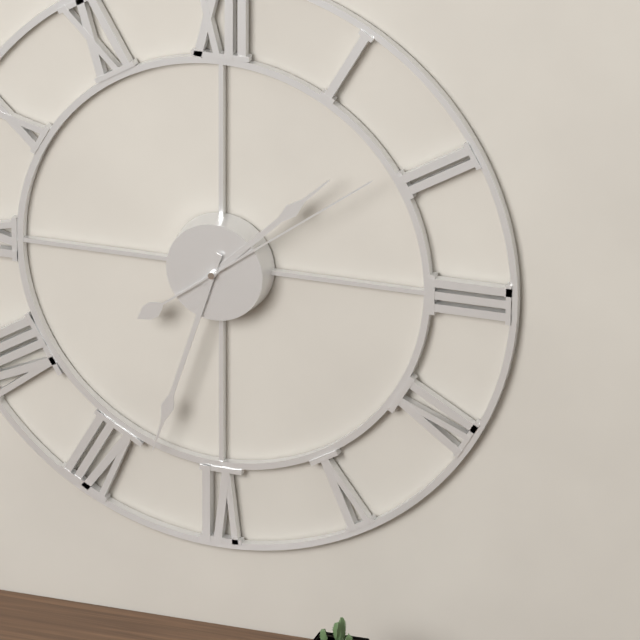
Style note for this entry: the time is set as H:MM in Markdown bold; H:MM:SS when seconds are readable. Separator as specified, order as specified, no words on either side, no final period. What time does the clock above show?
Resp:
**1:33:09**
